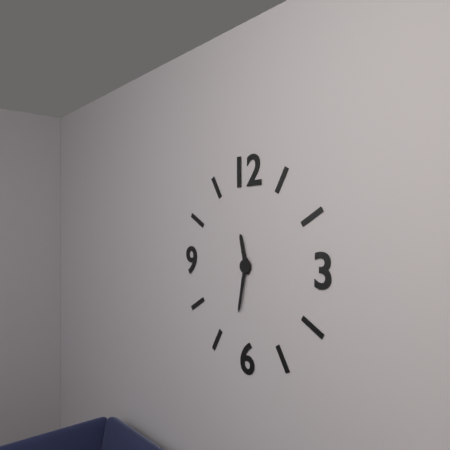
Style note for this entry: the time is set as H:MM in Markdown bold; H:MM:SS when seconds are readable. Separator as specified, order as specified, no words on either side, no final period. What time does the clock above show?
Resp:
**11:32**
